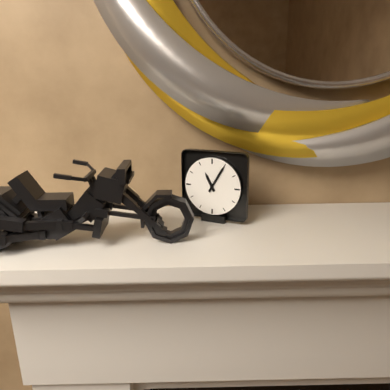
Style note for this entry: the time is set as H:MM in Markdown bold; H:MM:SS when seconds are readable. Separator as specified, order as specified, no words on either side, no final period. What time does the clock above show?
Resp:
**11:05**
